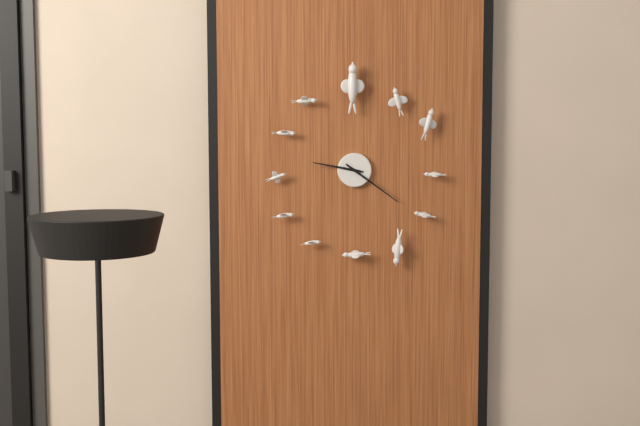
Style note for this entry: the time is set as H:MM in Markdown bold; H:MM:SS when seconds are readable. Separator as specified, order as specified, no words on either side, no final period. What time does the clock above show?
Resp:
**9:21**
